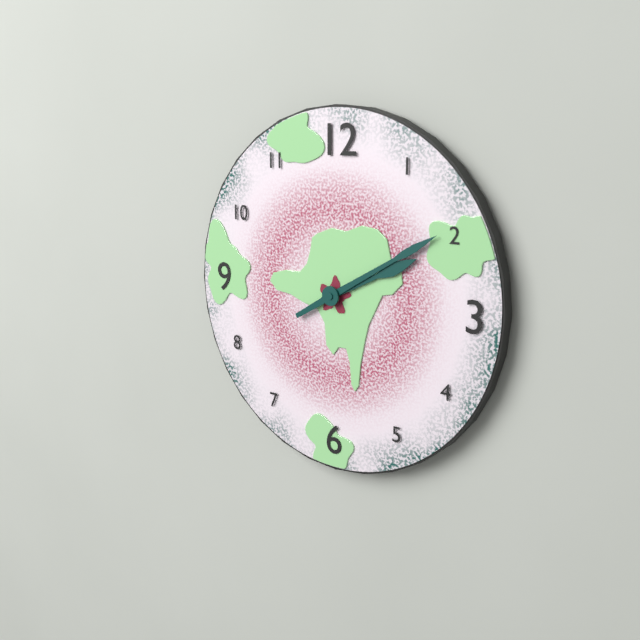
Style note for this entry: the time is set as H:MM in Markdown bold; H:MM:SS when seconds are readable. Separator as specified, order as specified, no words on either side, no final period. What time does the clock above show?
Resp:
**2:10**
